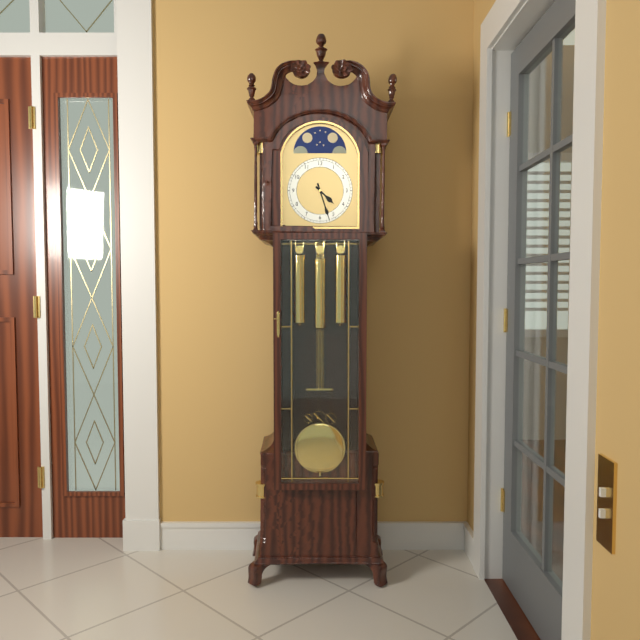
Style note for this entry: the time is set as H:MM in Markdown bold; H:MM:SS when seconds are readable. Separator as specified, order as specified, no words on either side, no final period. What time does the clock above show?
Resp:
**4:27**
